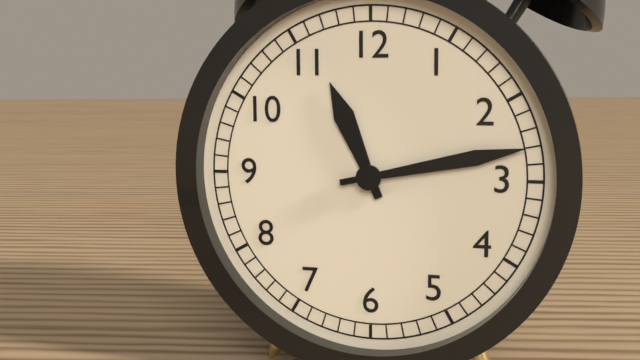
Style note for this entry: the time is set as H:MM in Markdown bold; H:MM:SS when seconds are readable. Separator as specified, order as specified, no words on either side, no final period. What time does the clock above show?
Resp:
**11:13**
